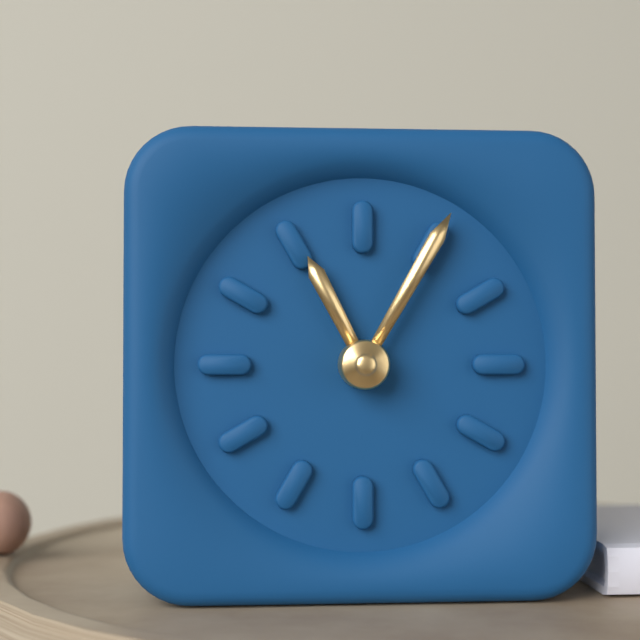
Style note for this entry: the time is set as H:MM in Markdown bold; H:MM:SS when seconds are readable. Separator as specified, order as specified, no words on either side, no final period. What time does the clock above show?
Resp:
**11:05**
